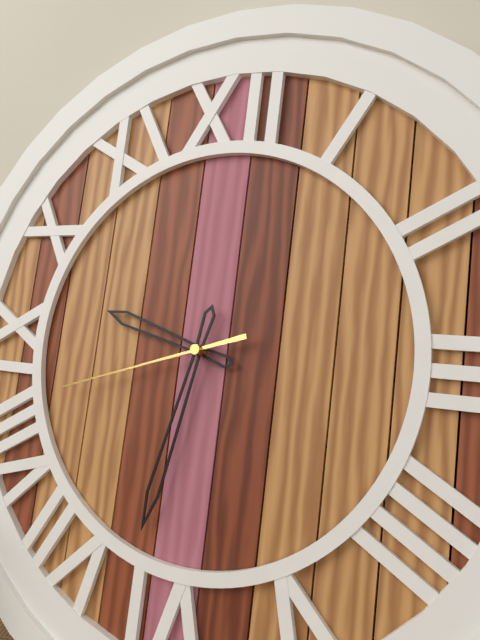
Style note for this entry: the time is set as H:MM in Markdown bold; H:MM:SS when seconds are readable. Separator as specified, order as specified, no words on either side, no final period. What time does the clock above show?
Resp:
**9:32:42**
